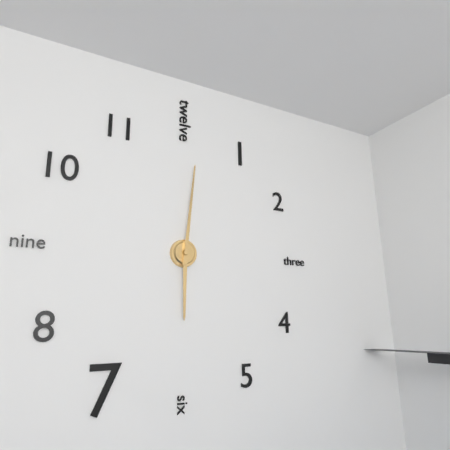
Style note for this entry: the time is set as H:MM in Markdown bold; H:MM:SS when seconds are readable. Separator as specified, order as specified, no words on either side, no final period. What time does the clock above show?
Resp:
**6:01**
